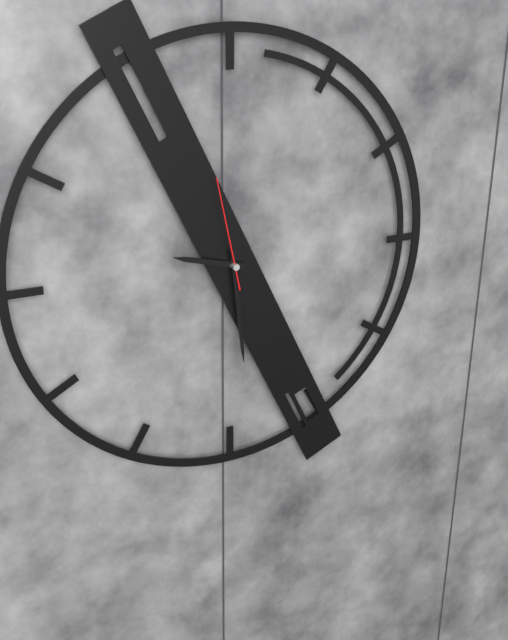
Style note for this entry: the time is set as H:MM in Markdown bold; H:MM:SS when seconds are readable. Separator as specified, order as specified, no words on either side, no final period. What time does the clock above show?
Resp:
**9:29:58**
